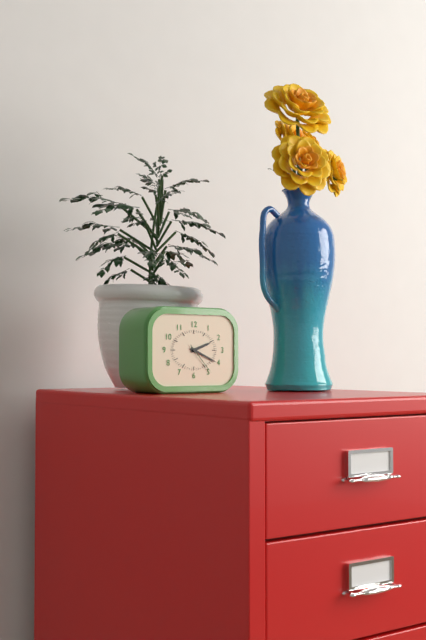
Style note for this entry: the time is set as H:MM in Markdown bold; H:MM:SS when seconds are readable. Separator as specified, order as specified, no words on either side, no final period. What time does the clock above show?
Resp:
**2:19**
